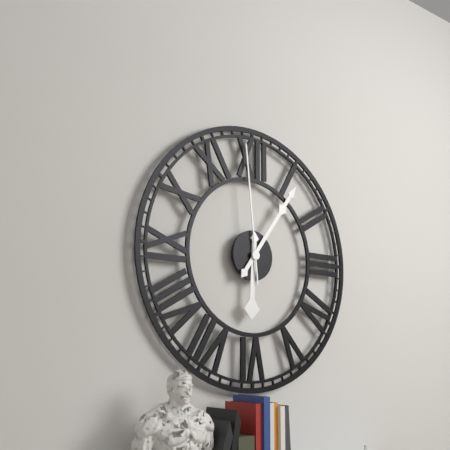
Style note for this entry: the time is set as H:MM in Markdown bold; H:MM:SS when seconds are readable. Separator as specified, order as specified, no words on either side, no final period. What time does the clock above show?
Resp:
**6:06:59**
